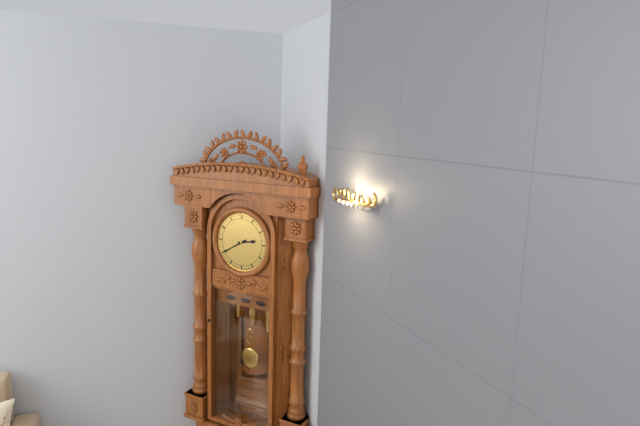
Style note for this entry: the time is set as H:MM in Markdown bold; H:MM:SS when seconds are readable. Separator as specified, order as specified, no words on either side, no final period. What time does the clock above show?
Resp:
**2:40**
